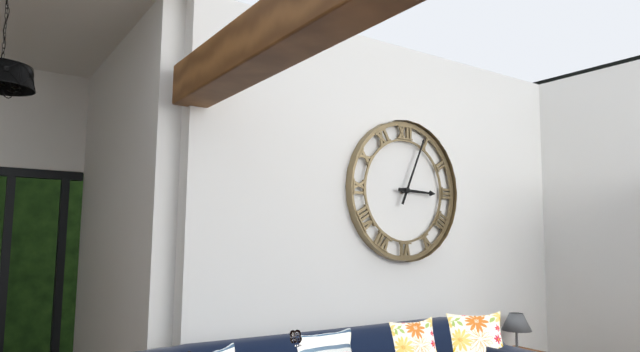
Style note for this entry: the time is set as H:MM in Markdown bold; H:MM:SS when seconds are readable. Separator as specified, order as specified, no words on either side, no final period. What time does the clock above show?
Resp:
**3:04**
